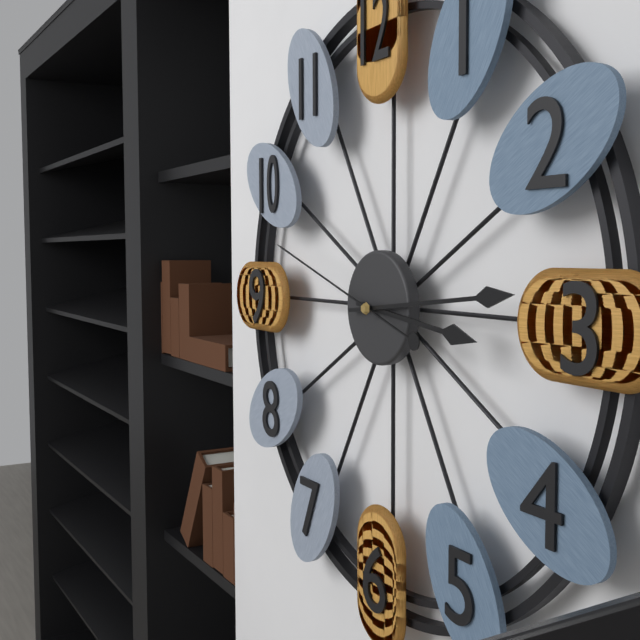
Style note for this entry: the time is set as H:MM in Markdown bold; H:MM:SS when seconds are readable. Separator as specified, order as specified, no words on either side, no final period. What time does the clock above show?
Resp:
**3:14:48**
